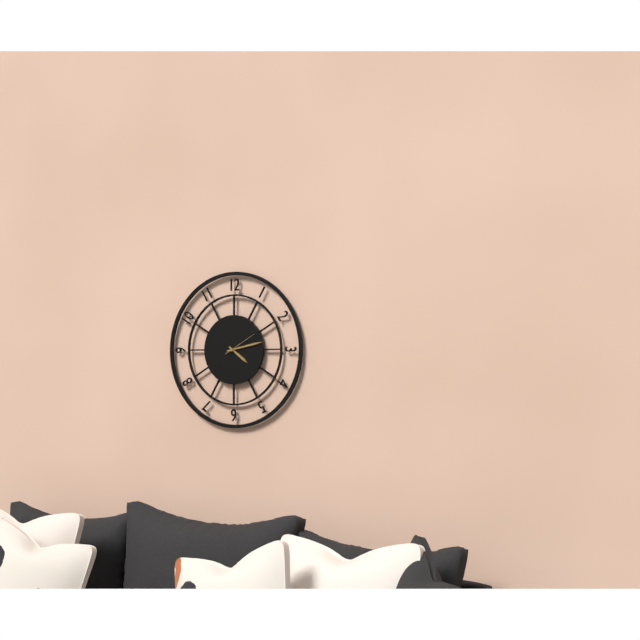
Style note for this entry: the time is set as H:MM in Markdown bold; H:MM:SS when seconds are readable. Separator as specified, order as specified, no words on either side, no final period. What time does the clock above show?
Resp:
**4:13**
